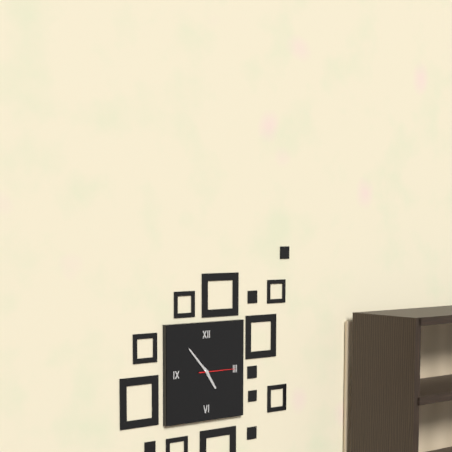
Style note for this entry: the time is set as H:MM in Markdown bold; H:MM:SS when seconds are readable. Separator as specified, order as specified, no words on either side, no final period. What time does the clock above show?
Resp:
**4:53**
